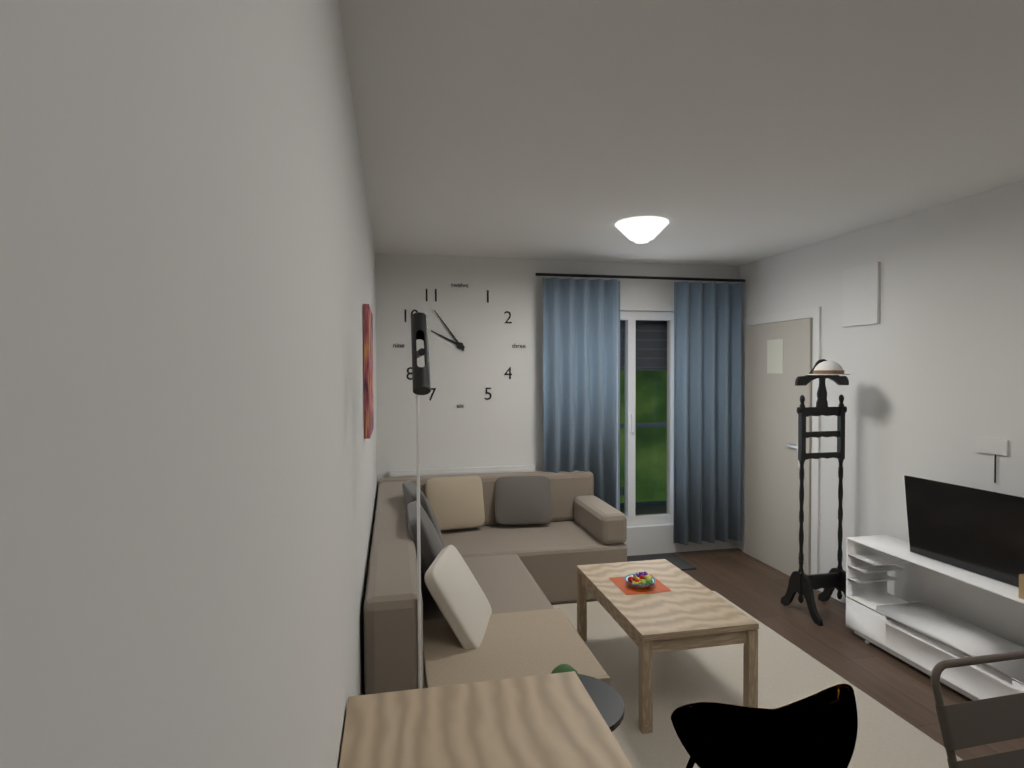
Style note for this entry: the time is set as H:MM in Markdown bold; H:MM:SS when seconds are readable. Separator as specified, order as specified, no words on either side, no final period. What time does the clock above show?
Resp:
**9:54**
